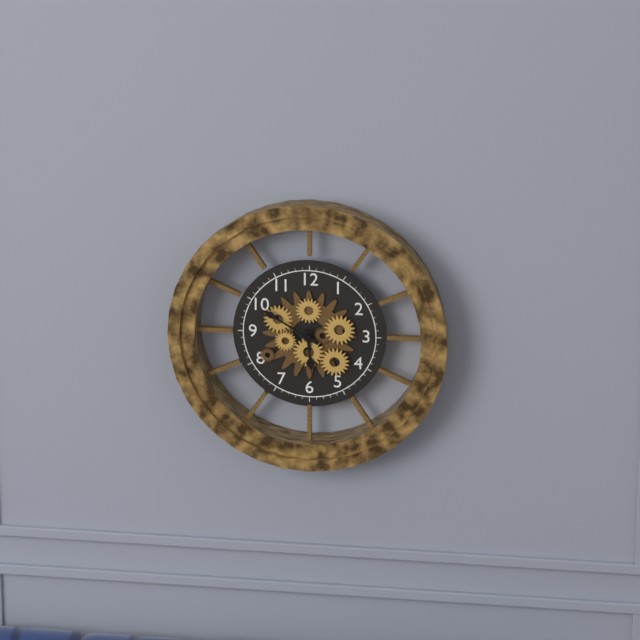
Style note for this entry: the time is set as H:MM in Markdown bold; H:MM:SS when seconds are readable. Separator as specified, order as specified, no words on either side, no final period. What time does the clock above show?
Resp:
**5:50**
